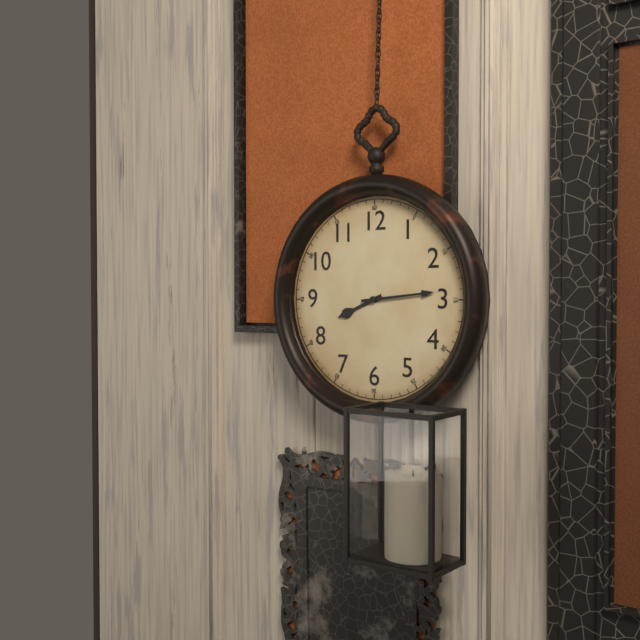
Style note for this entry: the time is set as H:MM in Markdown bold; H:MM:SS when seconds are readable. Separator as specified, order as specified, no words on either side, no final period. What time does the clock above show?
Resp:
**8:14**
